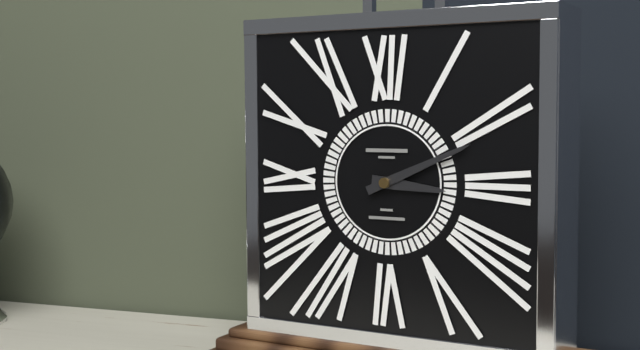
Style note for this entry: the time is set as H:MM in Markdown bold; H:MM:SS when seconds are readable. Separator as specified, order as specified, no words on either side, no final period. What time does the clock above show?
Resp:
**3:11**
